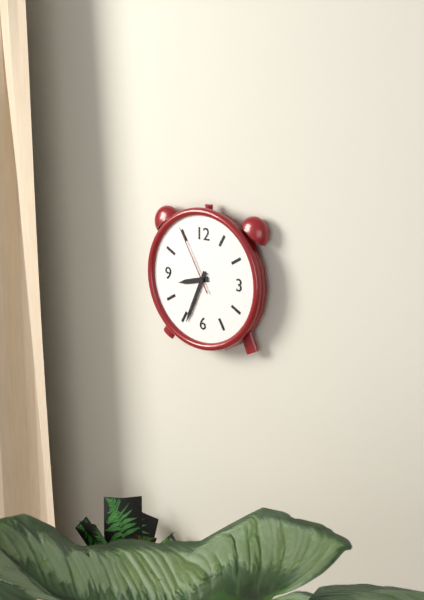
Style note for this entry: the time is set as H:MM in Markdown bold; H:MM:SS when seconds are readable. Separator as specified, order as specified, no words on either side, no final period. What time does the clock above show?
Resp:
**8:34:55**
